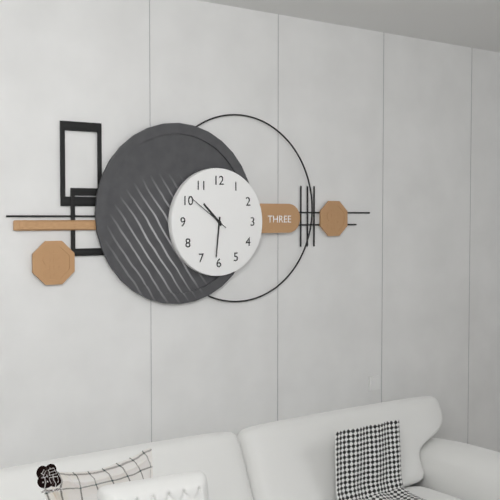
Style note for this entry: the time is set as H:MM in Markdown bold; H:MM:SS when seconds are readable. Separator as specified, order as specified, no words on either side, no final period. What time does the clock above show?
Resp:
**10:31**
